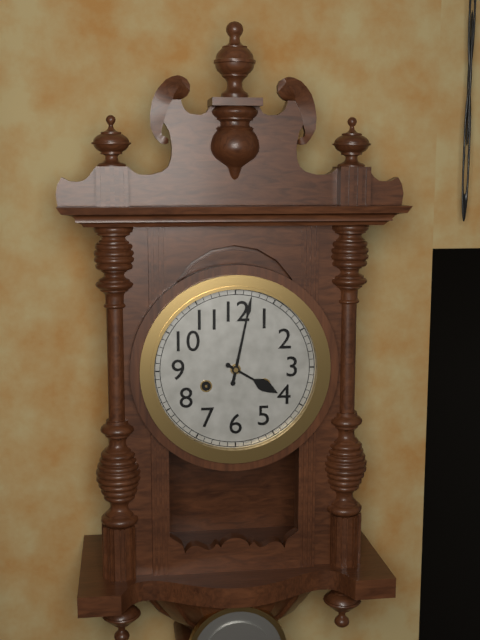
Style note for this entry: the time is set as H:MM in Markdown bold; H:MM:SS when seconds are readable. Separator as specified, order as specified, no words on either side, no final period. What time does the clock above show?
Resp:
**4:02**
